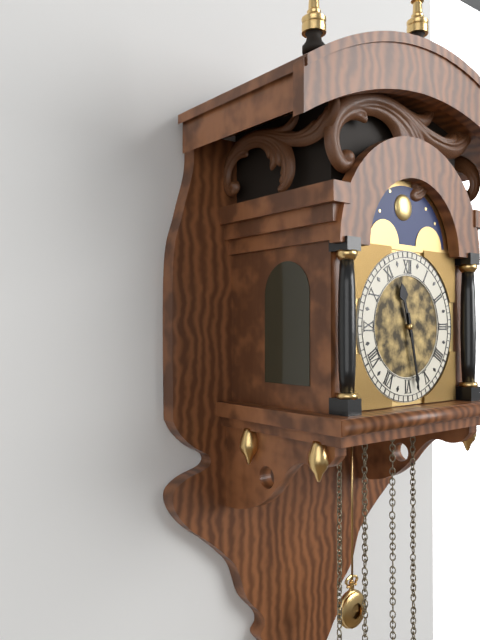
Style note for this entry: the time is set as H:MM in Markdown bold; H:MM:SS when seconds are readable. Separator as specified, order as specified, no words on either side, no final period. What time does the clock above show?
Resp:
**11:28**
